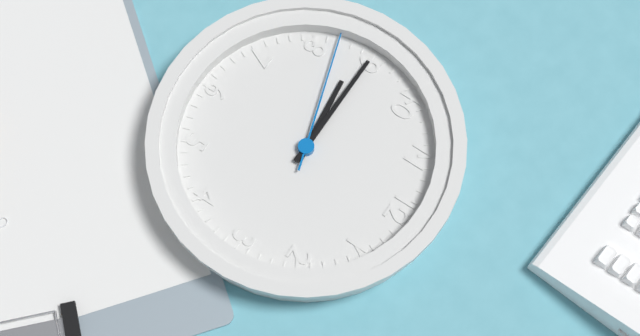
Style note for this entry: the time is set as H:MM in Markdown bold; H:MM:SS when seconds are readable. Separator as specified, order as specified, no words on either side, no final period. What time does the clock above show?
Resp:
**8:45:42**
